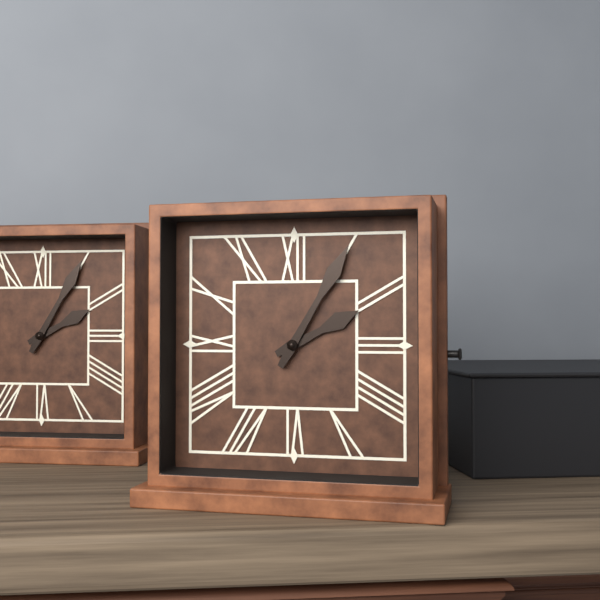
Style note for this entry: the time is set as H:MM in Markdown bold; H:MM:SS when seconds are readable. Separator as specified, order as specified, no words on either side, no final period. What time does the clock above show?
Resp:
**2:05**
